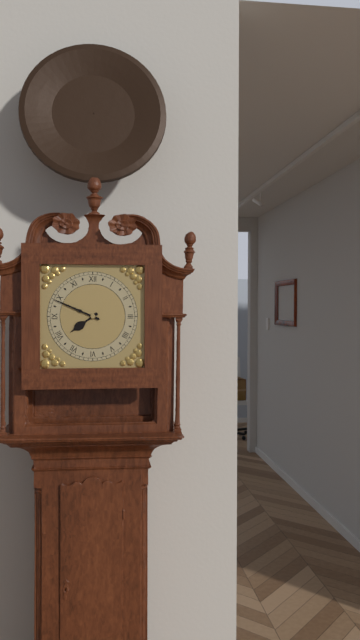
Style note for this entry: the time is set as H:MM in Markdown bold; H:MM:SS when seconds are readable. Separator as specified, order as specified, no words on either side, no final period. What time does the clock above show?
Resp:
**7:49**
